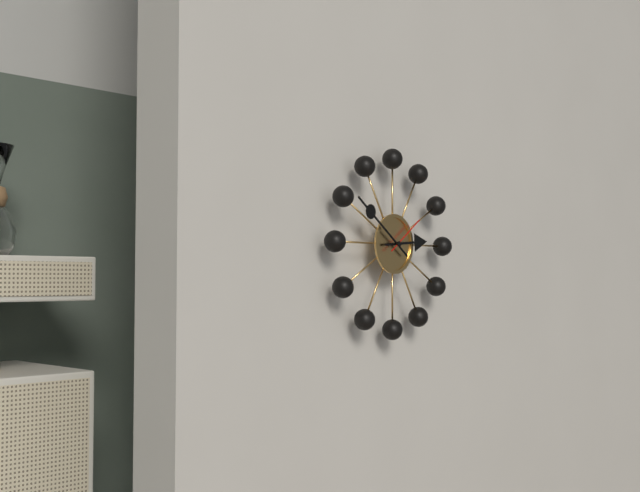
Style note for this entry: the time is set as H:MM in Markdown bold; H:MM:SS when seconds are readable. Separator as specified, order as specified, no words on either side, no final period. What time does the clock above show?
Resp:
**2:51**
